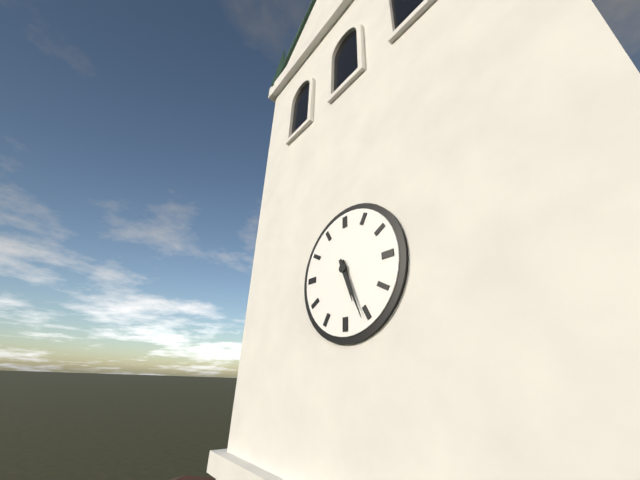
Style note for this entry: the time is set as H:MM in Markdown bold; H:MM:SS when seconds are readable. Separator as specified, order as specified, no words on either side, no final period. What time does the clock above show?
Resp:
**5:26**
